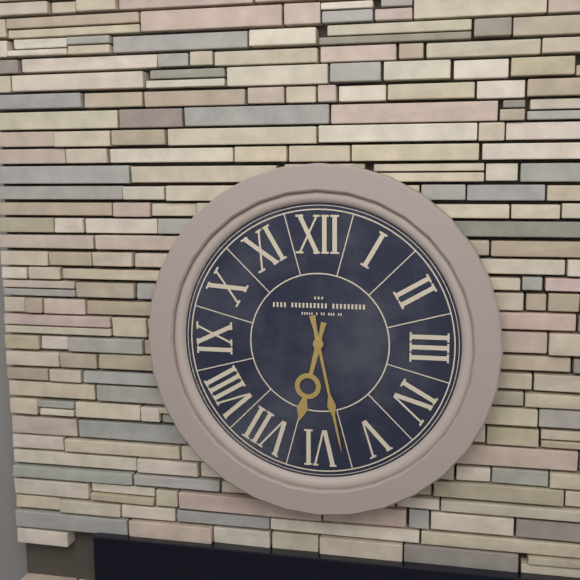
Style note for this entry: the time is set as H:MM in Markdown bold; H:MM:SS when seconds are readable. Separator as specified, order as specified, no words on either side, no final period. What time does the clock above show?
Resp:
**6:28**
